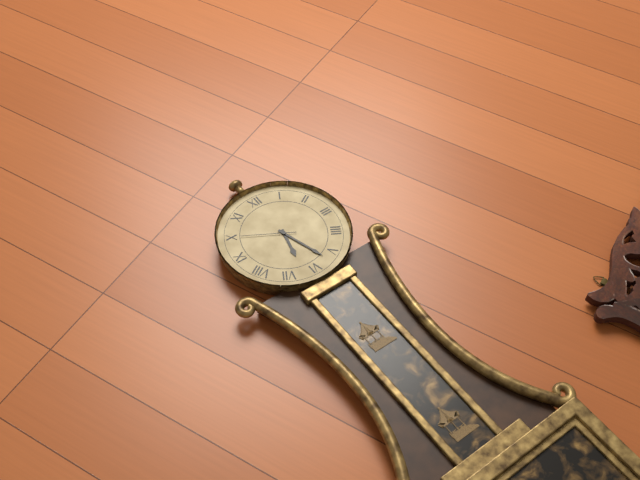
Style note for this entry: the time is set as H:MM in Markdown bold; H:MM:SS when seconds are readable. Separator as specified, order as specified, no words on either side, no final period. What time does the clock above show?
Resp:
**6:27:50**
